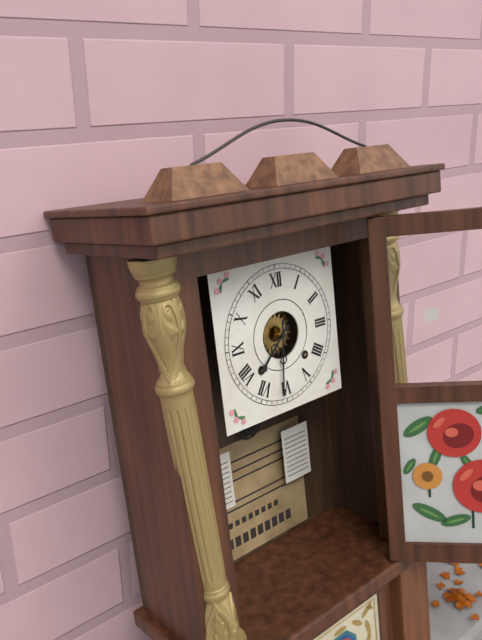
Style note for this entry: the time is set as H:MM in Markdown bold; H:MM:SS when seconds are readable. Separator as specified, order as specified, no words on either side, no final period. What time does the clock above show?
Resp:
**7:31**
